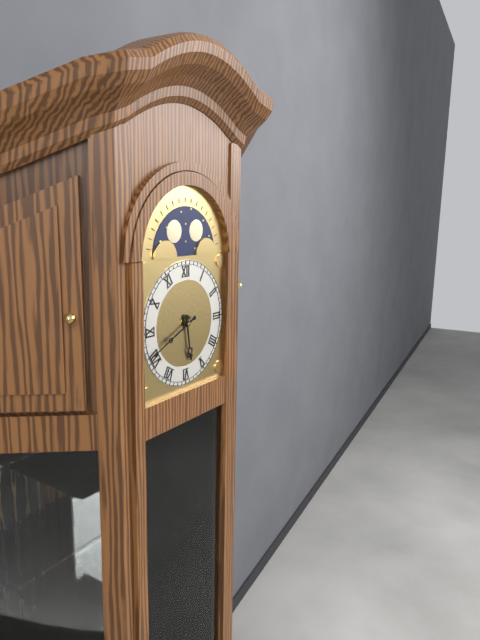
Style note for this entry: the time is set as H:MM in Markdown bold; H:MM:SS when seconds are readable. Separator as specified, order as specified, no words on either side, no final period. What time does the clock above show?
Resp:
**5:41**
